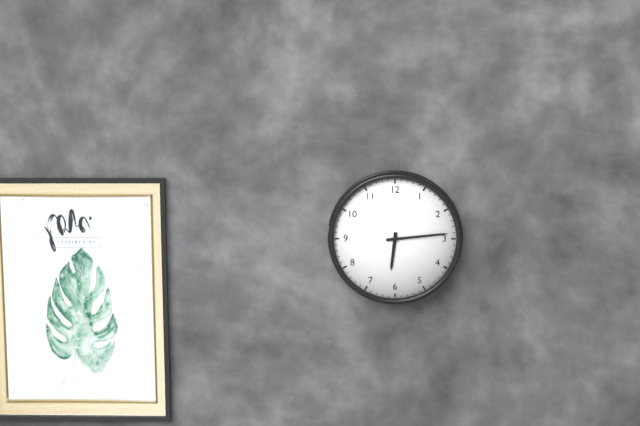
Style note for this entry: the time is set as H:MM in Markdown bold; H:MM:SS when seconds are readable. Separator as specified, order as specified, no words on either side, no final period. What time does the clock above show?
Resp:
**6:14**
